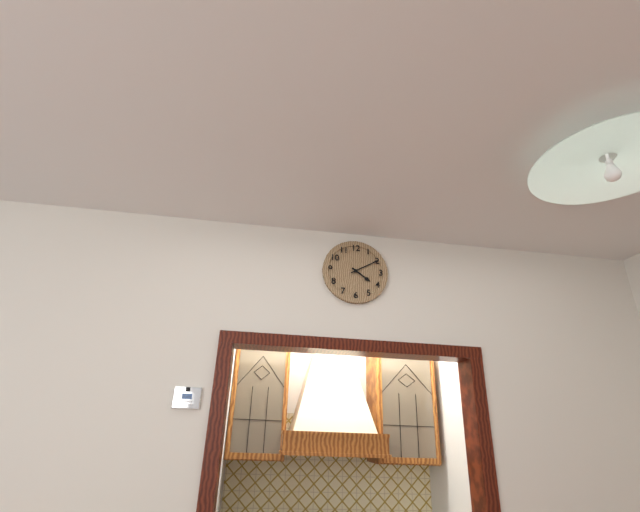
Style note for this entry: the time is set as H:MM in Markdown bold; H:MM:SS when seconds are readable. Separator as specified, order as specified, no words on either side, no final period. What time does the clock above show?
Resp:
**4:10**
